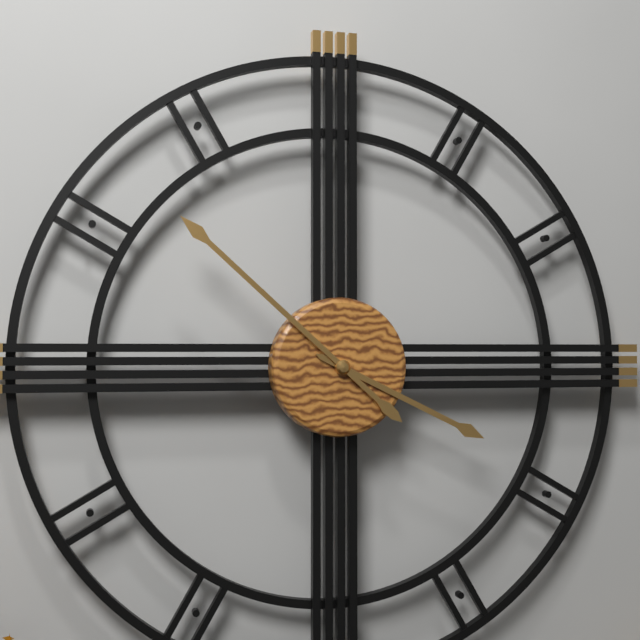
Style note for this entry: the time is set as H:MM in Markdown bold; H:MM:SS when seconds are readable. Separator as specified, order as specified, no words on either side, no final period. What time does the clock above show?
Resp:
**3:52**
